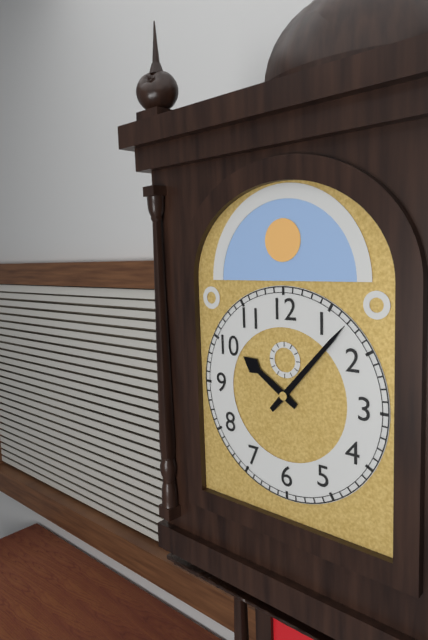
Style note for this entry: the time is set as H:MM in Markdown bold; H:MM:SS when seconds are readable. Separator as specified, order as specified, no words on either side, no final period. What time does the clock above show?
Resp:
**10:07**
